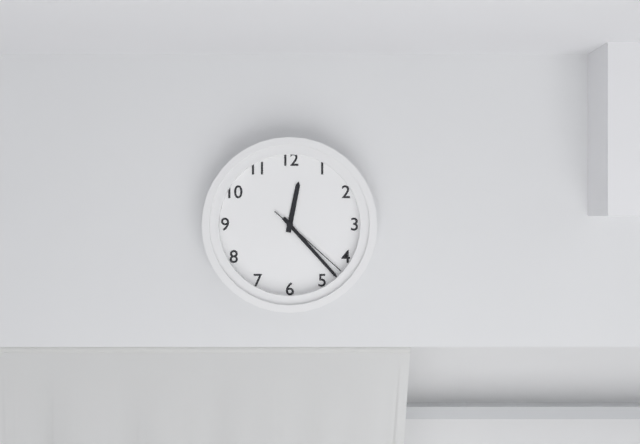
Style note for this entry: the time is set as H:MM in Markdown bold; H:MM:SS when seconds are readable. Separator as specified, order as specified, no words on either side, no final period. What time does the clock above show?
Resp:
**12:23:22**
